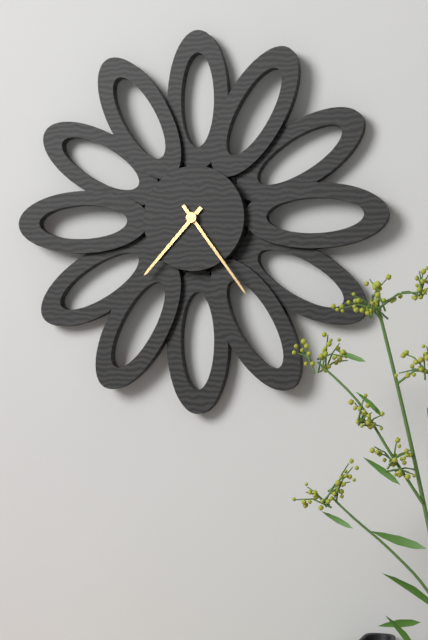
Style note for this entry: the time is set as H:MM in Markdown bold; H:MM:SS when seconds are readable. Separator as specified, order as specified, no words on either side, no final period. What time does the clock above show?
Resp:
**7:24**
